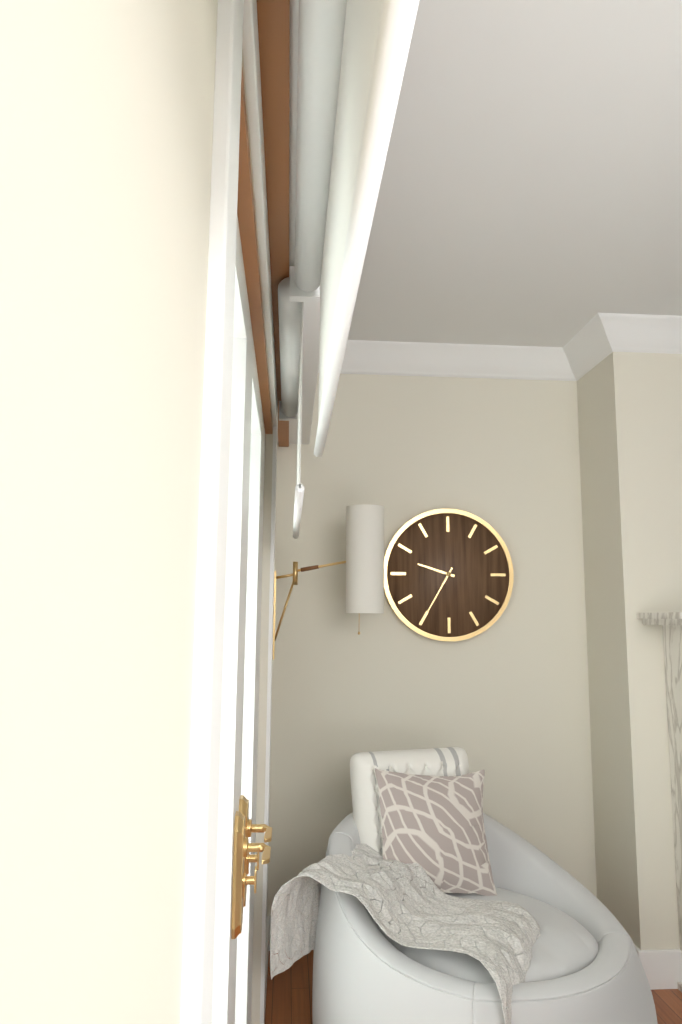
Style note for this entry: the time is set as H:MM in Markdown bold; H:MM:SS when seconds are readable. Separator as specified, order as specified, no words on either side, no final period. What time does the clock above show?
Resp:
**9:35**
